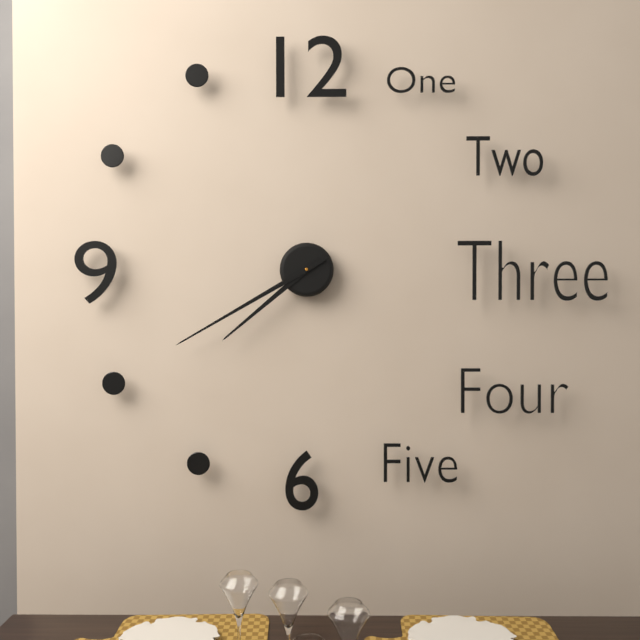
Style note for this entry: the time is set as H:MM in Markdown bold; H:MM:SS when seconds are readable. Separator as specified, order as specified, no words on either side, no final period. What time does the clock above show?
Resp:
**7:40**
